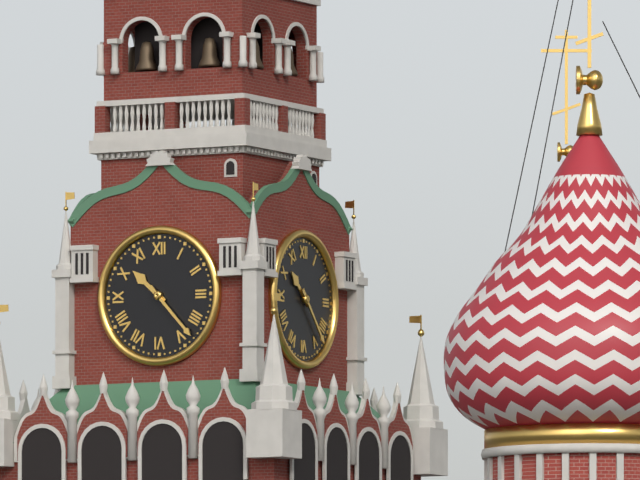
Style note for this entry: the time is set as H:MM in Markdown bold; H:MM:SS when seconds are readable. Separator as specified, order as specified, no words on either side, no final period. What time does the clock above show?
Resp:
**10:23**
